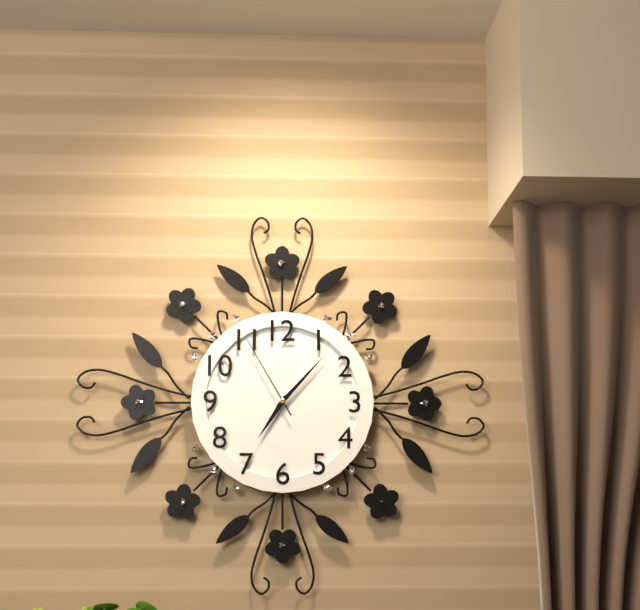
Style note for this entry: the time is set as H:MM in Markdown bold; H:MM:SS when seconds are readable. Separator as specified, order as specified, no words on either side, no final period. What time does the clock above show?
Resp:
**7:07:55**
